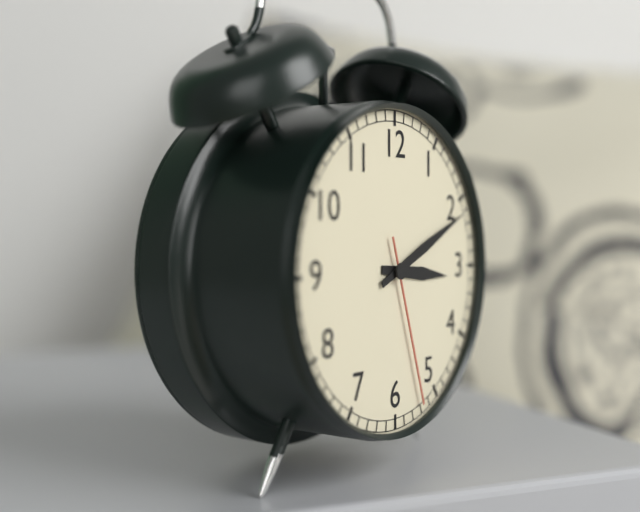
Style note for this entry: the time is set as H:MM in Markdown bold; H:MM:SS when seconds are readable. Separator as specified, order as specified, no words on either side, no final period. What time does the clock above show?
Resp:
**3:11:27**
